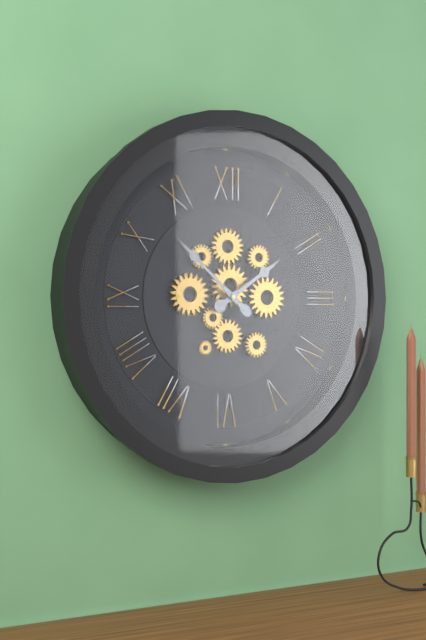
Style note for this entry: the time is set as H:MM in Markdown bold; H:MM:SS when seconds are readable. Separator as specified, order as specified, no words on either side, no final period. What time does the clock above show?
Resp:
**1:52**
